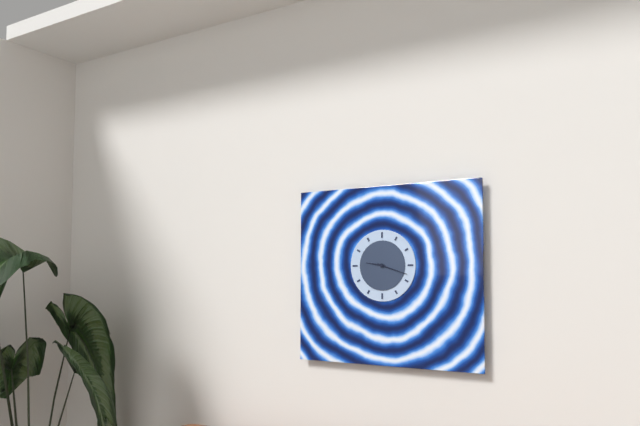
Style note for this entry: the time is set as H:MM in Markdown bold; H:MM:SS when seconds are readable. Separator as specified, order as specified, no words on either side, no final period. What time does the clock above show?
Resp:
**9:18**
